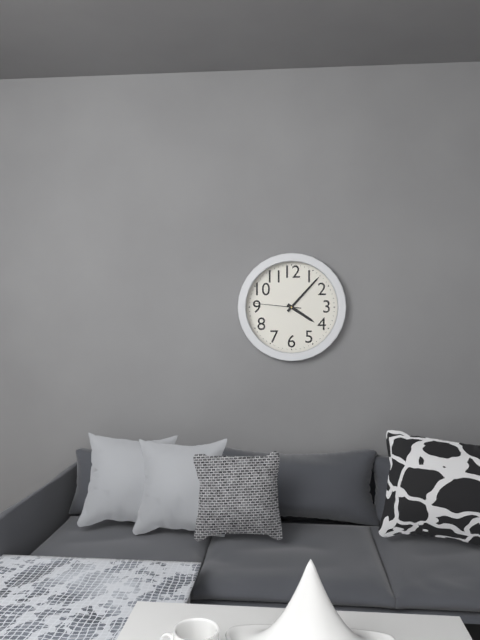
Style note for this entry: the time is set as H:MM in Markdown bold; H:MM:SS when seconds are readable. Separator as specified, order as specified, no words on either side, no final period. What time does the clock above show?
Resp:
**4:07**
